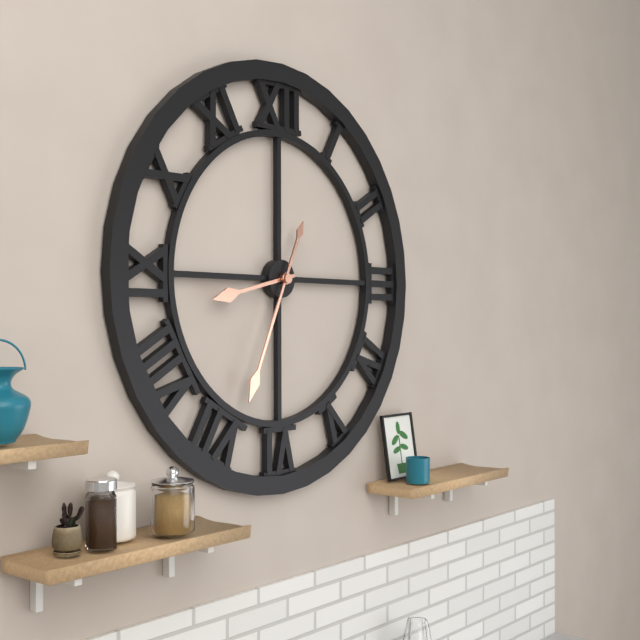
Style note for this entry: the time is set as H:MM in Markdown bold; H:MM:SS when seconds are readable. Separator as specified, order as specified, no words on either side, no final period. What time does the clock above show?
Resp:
**8:34**
